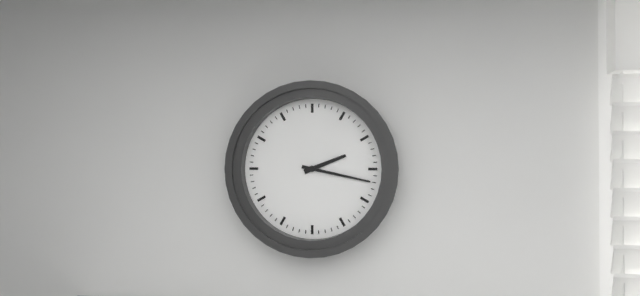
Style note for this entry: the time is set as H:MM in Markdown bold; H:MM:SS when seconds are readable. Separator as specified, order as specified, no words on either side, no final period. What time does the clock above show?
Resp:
**2:17**
